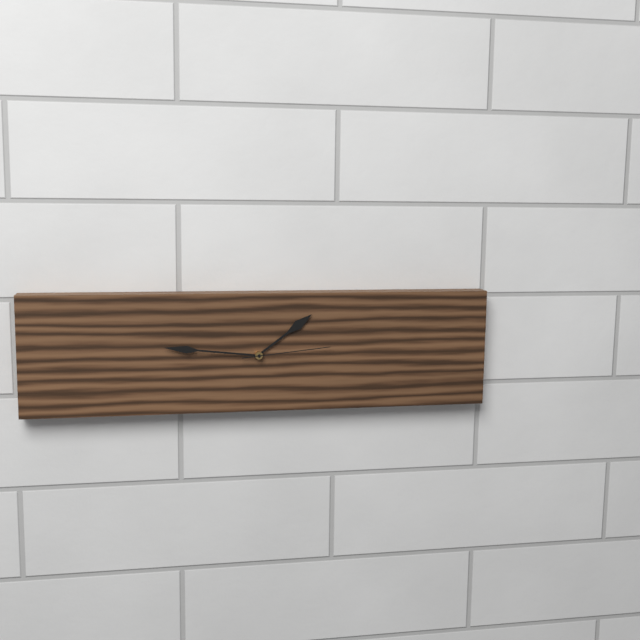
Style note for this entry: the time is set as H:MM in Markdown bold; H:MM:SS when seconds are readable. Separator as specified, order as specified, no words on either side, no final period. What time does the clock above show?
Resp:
**1:46:14**
